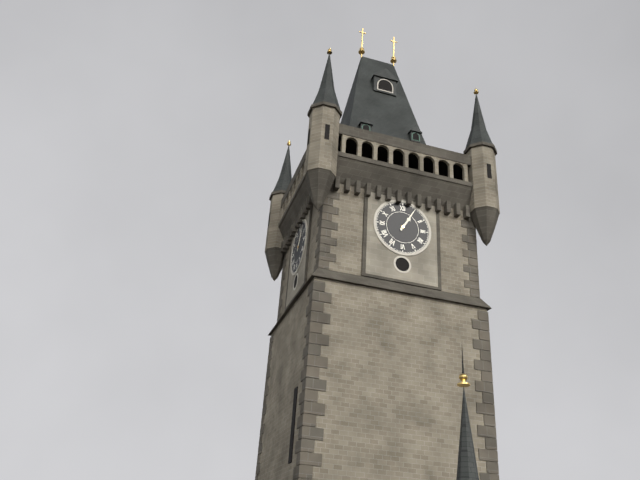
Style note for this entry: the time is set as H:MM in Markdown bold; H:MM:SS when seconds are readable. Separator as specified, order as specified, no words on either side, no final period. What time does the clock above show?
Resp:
**1:05**
